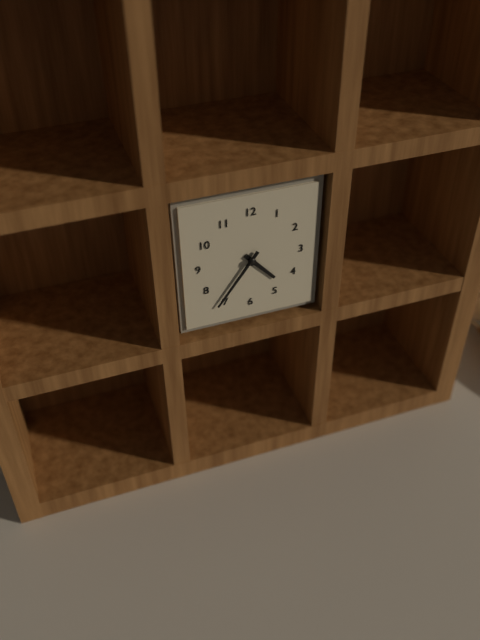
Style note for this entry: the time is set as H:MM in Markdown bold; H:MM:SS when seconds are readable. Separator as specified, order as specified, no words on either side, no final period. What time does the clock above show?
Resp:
**4:36**
